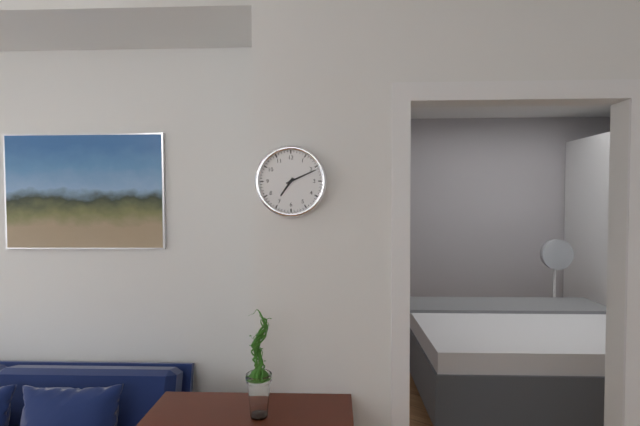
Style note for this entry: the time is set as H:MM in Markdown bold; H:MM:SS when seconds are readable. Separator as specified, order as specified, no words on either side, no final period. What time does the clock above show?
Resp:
**7:11**
